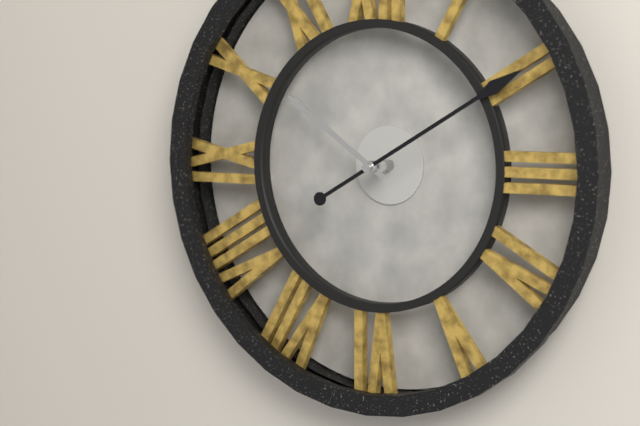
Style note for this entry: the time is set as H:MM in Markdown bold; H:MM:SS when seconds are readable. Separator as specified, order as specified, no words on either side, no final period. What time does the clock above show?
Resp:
**10:10**
